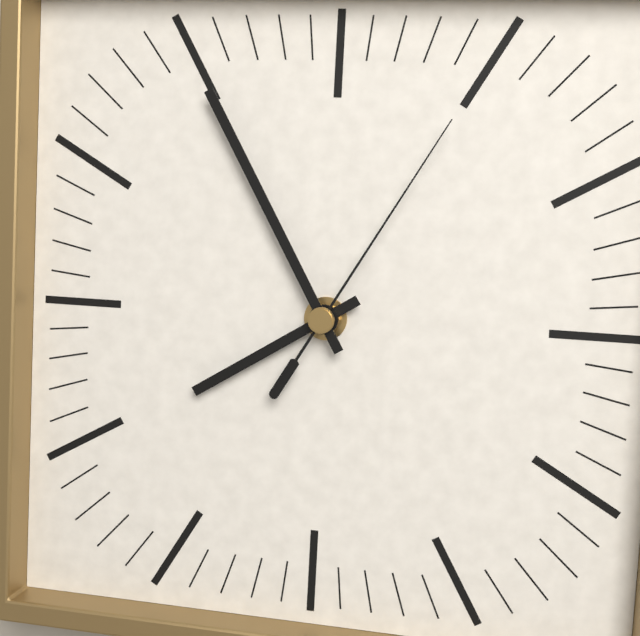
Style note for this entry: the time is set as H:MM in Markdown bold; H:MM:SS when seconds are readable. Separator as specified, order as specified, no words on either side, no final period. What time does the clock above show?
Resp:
**7:55:05**
